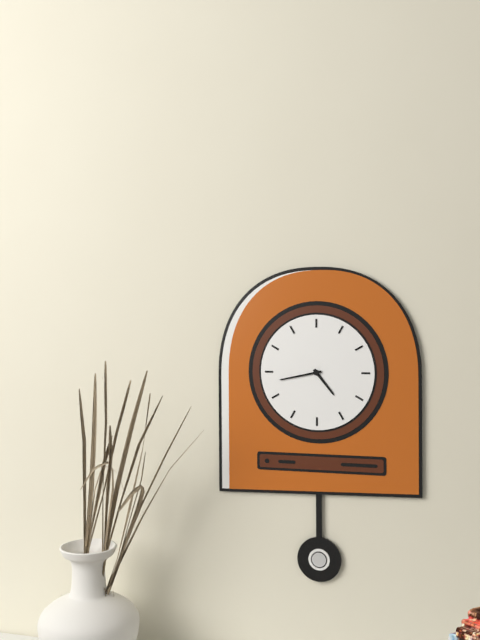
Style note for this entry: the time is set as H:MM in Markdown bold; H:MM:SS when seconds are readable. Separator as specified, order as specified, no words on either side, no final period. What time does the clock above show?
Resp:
**4:43**
